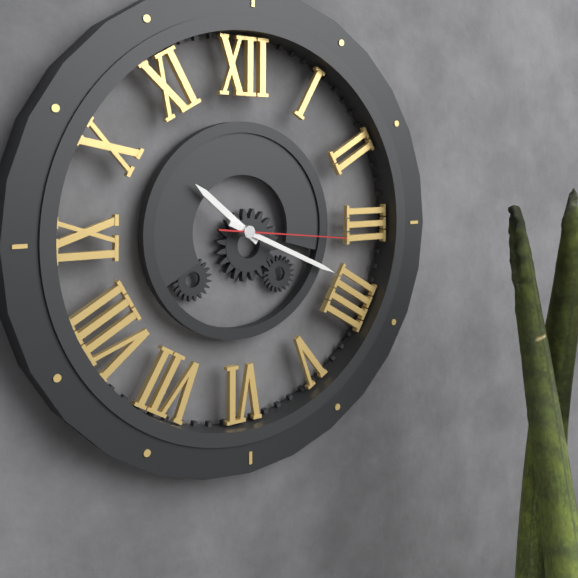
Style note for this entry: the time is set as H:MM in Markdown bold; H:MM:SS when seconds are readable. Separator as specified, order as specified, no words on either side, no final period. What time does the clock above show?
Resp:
**10:19:16**
